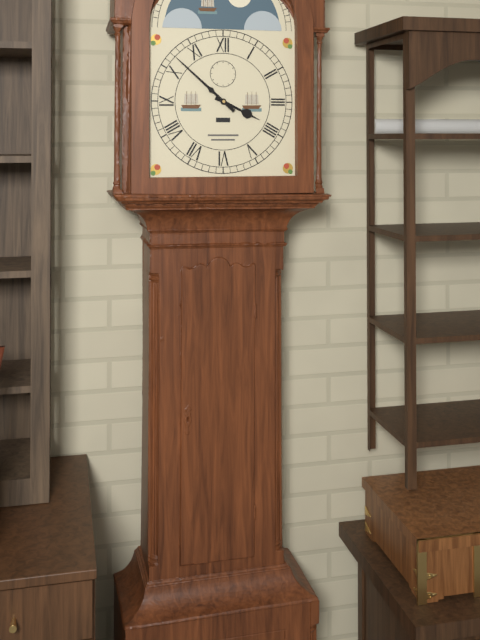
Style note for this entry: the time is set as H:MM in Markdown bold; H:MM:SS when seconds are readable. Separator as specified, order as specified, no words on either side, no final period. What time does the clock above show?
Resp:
**3:52**
